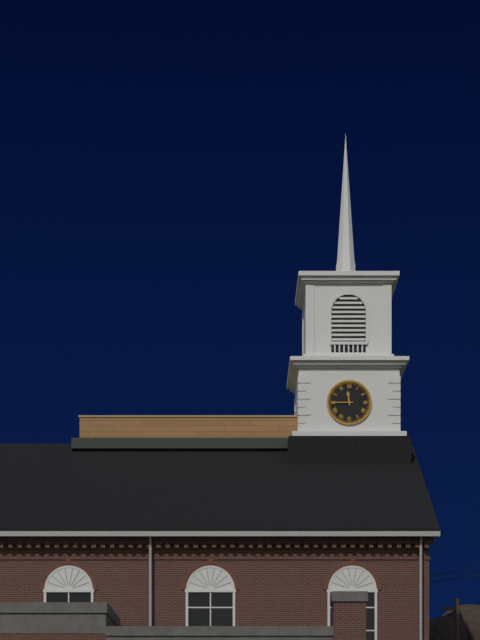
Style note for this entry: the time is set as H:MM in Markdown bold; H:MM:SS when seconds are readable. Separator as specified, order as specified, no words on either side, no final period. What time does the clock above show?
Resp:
**11:45**
